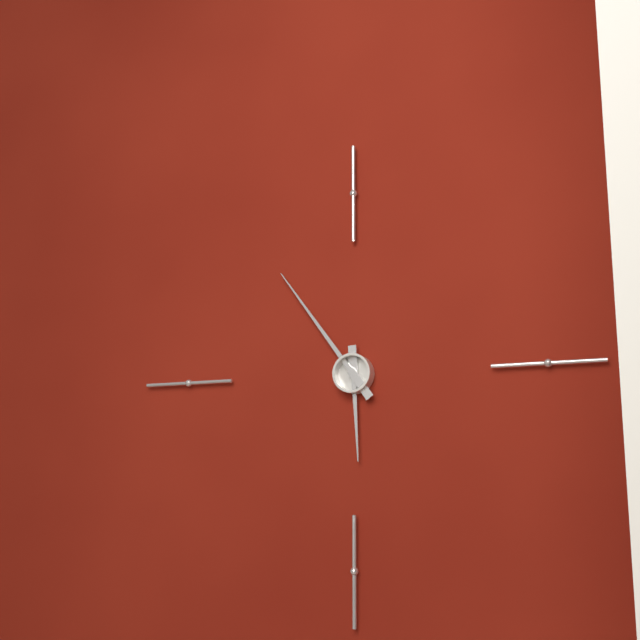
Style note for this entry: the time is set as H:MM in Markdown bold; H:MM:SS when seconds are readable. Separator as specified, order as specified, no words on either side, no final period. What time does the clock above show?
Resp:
**5:54**
